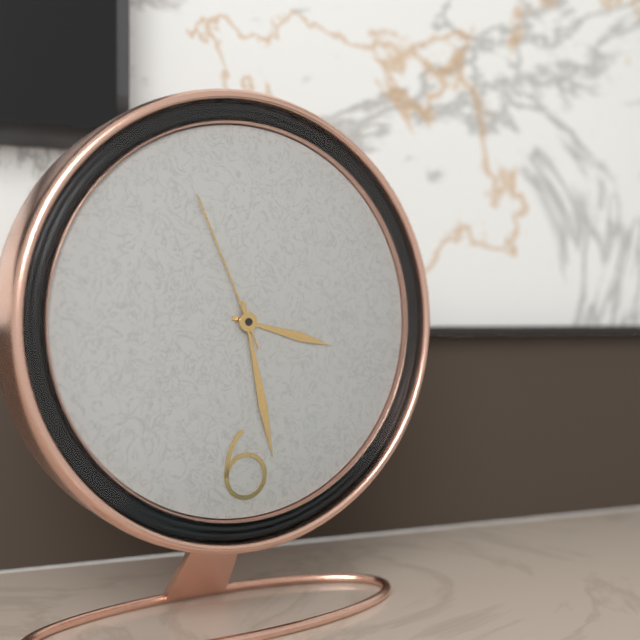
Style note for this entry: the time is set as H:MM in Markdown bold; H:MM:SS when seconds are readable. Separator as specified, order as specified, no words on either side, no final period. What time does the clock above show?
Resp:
**3:28:56**
